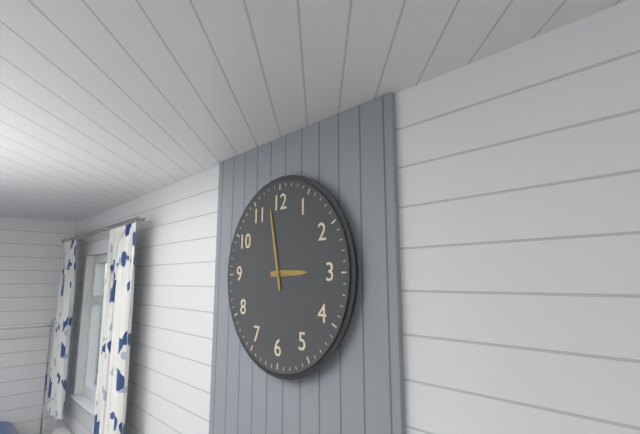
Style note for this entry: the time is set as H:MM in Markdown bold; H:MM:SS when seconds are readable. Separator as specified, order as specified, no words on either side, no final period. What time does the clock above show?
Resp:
**2:58**
